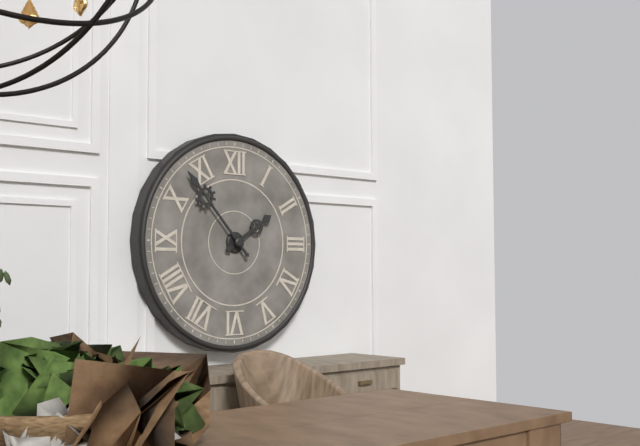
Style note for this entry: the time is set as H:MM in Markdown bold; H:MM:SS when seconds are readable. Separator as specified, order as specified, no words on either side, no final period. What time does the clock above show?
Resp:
**1:53**
